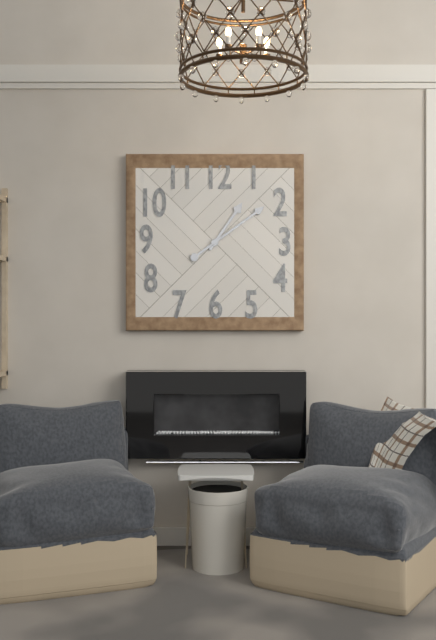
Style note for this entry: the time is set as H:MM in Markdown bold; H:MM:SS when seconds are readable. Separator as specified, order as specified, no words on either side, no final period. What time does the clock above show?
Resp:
**1:09**
